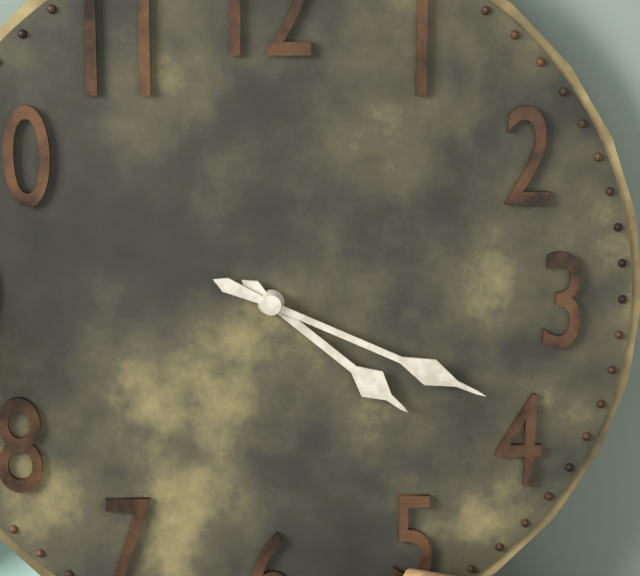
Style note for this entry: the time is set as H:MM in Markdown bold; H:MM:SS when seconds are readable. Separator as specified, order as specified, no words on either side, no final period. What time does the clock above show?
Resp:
**4:19**
